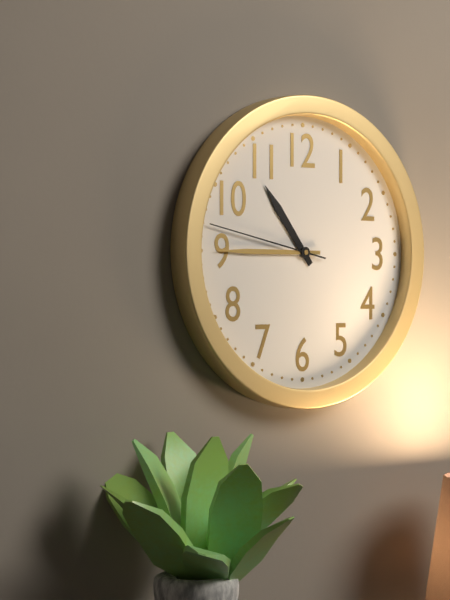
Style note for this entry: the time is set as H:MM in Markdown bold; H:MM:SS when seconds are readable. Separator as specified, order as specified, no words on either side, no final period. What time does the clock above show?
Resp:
**10:45:47**
